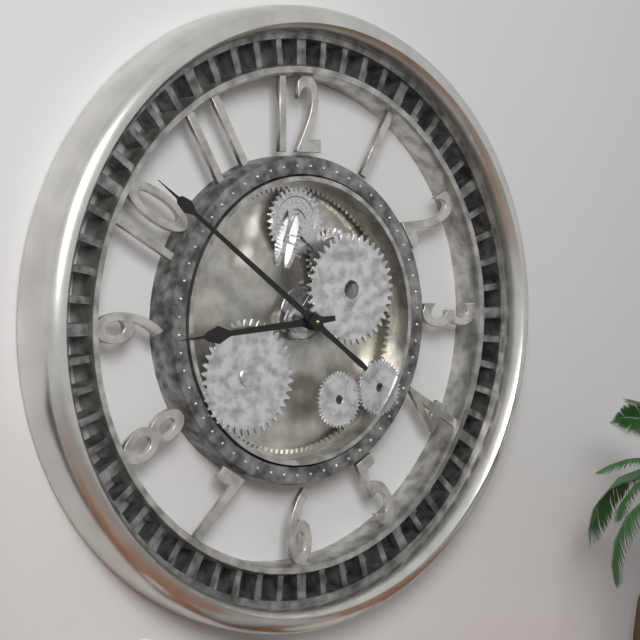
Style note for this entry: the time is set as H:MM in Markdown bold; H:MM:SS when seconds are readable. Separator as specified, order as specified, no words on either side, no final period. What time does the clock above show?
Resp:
**8:51**
